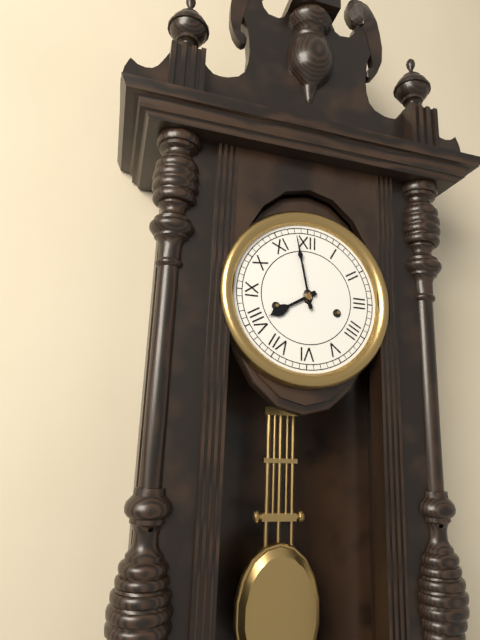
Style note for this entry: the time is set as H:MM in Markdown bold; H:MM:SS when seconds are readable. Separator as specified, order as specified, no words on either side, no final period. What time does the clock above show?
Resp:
**7:58**
